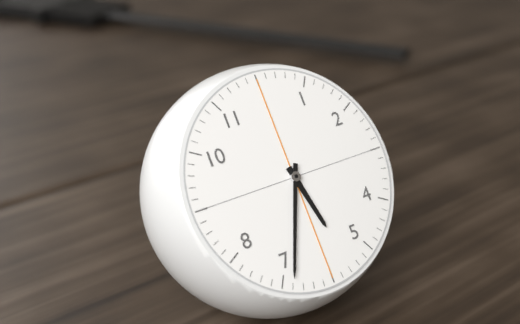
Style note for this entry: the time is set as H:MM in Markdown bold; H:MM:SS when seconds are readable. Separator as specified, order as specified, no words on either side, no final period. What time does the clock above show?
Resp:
**5:34**
